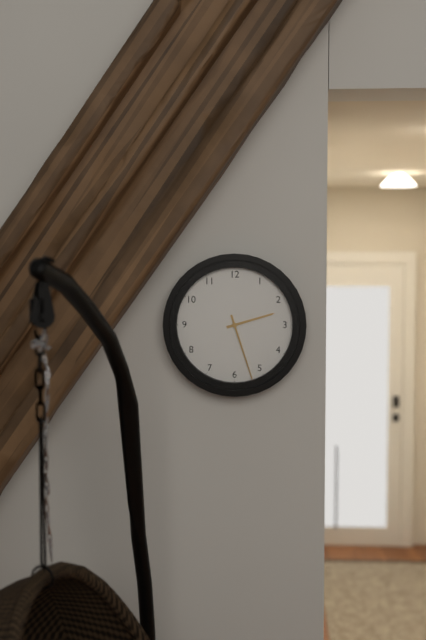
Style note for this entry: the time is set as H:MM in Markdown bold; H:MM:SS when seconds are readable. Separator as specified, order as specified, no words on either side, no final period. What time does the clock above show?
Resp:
**2:27**
